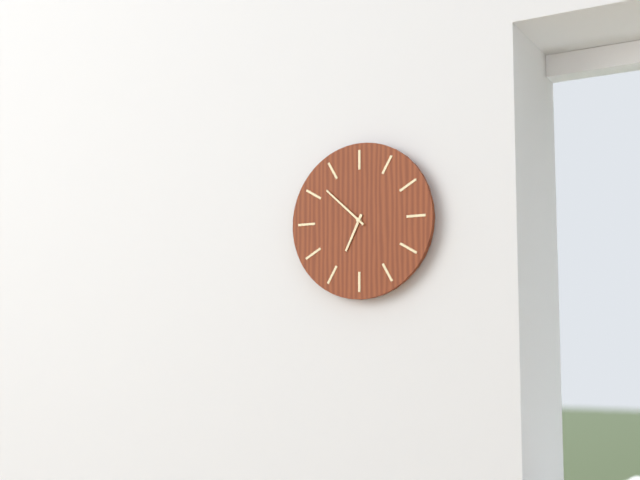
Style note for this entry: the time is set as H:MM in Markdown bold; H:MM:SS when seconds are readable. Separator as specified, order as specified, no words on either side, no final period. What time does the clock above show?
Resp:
**6:52**
